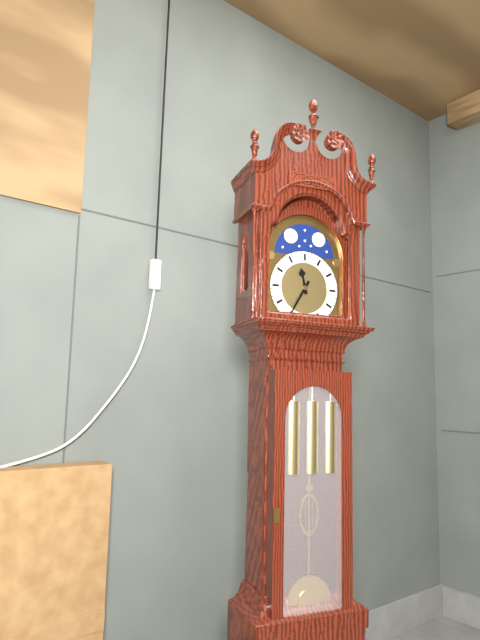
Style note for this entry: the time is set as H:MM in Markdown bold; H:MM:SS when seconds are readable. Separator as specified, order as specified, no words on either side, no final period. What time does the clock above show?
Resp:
**11:35**
